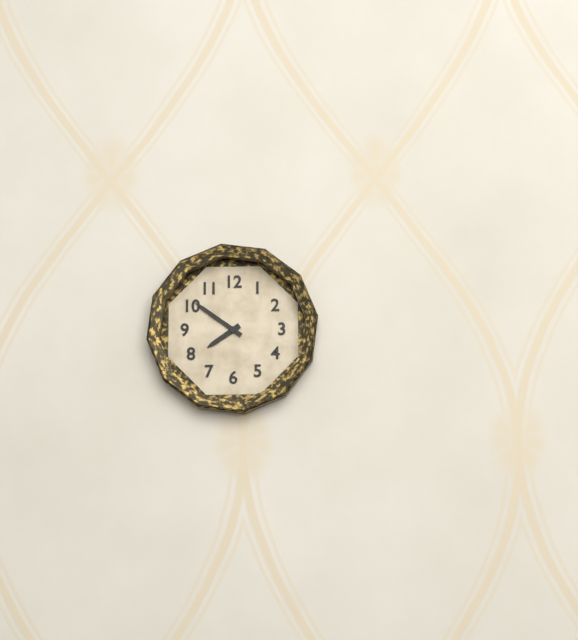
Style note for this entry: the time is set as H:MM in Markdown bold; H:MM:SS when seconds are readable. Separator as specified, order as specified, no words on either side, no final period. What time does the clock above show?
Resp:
**7:51**
